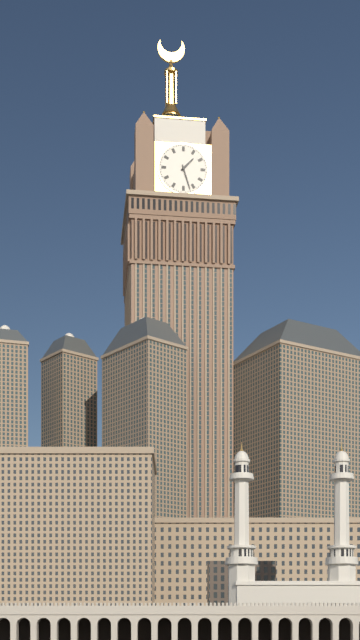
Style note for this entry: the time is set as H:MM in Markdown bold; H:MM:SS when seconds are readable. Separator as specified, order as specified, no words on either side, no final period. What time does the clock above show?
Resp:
**1:27**
